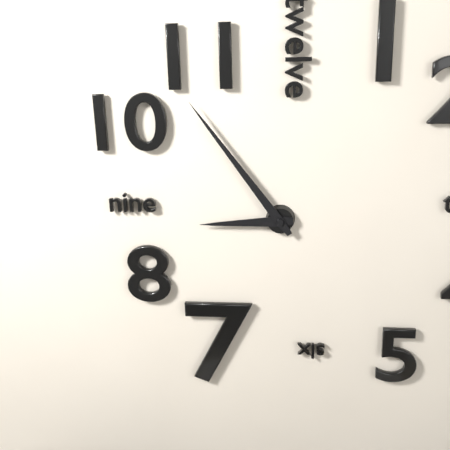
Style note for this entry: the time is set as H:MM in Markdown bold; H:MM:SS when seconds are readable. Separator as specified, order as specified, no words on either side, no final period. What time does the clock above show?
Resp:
**8:54**
